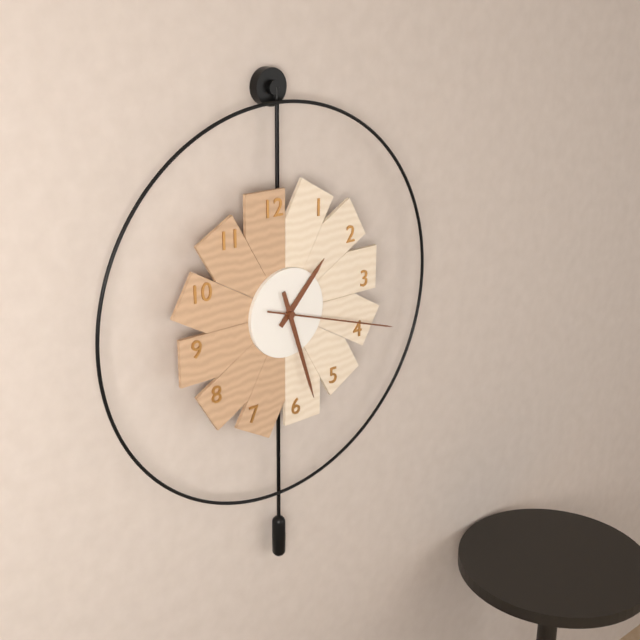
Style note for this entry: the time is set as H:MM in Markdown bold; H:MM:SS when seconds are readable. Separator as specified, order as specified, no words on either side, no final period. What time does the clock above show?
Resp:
**1:27:18**
